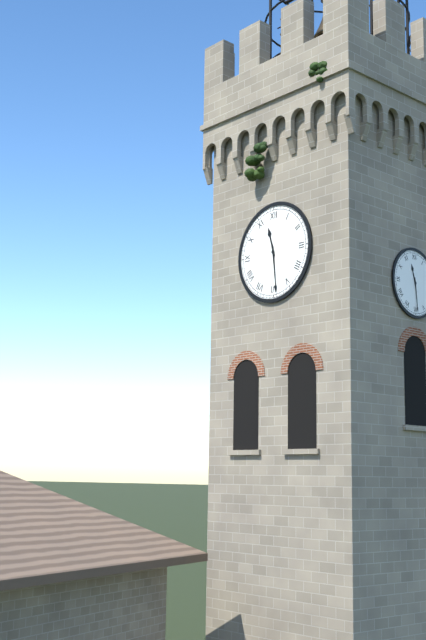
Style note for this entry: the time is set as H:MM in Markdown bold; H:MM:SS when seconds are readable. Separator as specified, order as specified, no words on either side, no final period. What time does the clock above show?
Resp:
**11:29**
